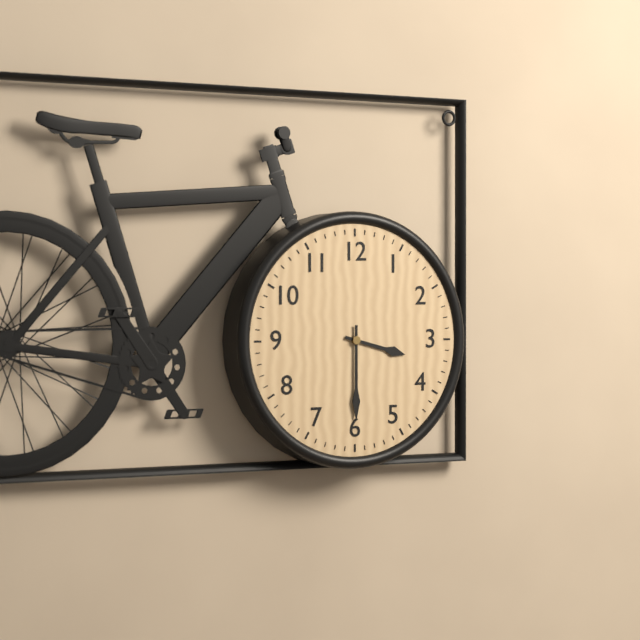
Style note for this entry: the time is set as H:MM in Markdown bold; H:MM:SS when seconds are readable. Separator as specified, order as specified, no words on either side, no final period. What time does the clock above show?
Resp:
**3:30**
